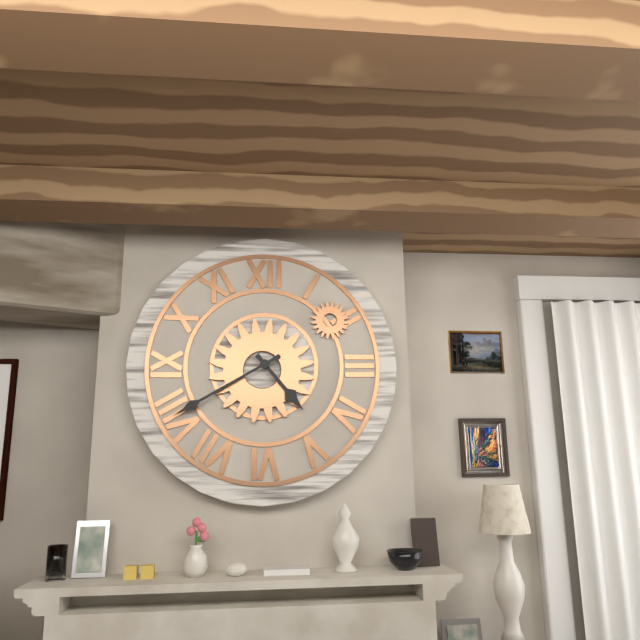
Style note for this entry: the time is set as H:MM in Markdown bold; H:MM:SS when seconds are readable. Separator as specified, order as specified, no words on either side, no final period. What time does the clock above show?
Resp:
**4:40**
